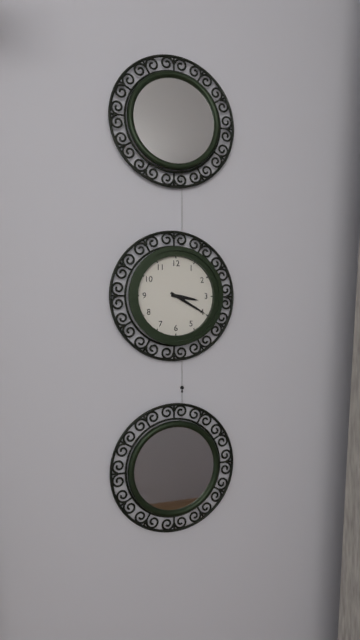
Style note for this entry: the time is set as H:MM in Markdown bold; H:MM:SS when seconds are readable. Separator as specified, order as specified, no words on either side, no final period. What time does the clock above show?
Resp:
**3:20**
